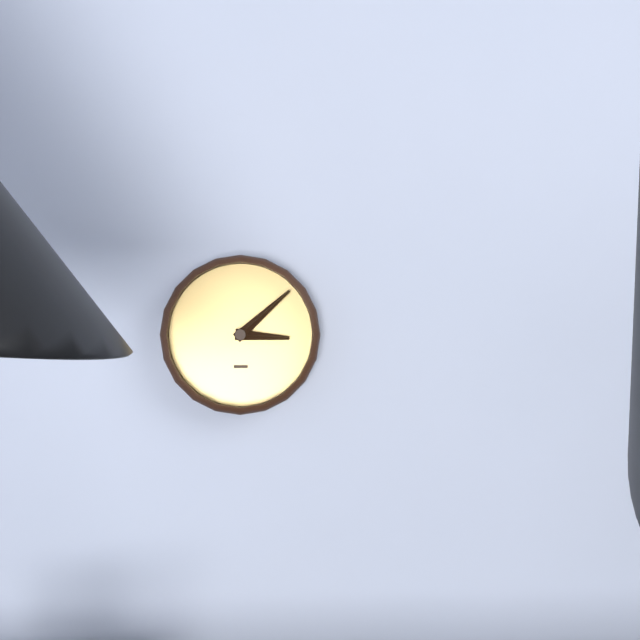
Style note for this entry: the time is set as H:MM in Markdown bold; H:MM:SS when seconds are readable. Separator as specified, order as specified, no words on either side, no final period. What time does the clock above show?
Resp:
**3:08**
